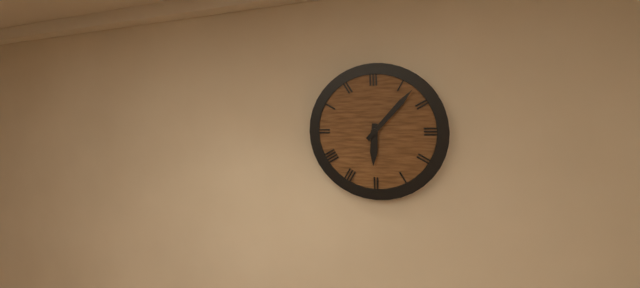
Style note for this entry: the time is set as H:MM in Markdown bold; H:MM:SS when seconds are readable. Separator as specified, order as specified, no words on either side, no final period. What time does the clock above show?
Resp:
**6:07**
